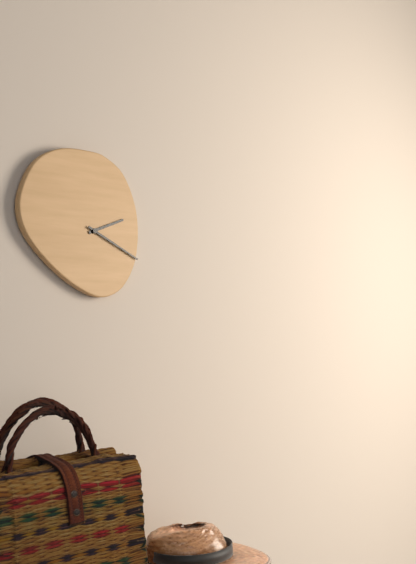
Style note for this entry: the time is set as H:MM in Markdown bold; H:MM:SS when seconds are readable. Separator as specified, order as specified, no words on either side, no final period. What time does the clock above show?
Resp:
**2:19**
